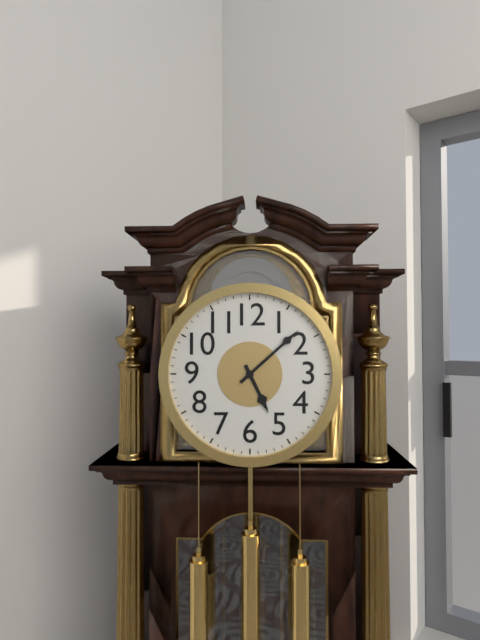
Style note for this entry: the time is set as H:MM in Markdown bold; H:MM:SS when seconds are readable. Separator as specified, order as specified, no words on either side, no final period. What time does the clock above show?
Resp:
**5:08**
